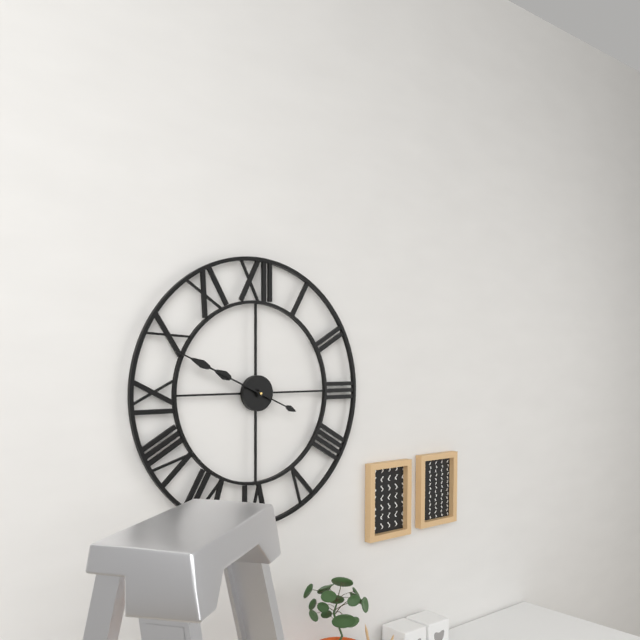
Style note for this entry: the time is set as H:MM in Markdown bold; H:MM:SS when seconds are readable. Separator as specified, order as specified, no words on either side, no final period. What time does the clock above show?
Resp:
**9:49**
